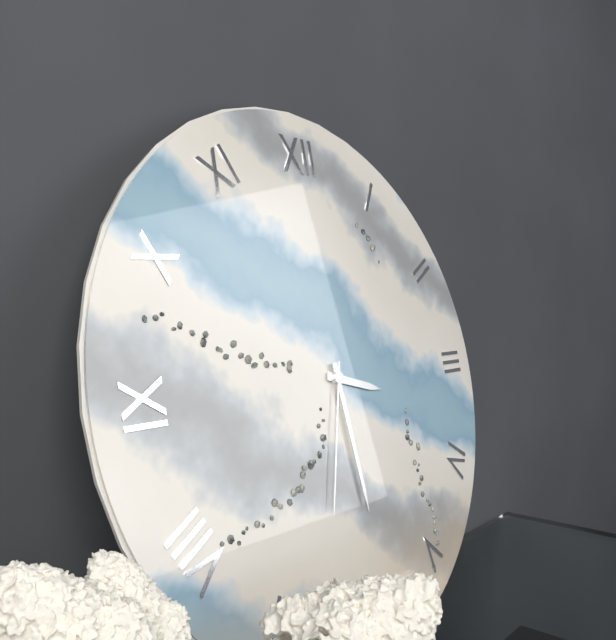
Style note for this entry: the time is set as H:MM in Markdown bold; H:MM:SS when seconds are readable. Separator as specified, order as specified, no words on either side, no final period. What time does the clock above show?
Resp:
**3:29:33**
